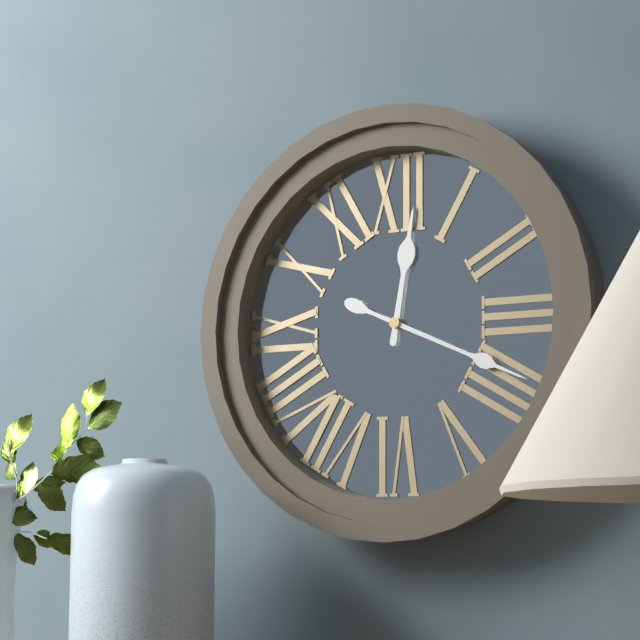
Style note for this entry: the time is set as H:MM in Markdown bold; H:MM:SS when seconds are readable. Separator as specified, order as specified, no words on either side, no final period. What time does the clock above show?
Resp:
**12:19**
